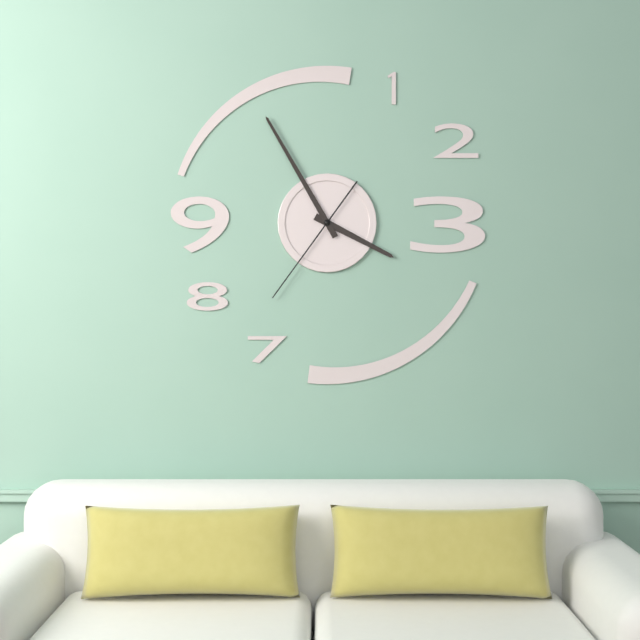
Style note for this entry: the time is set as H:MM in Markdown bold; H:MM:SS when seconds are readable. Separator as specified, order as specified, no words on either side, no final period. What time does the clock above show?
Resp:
**3:55:36**
